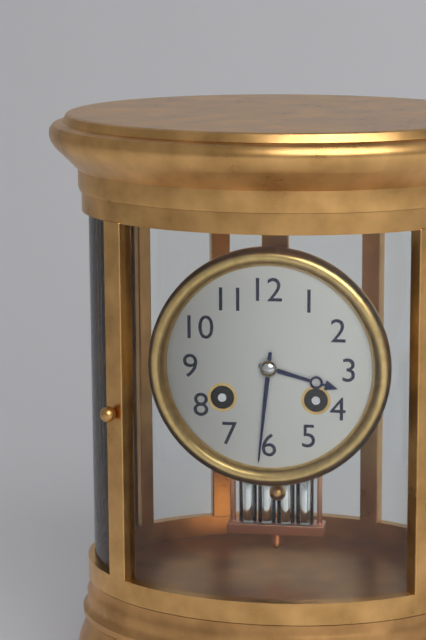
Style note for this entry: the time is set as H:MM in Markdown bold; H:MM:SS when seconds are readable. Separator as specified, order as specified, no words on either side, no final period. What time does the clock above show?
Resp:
**3:31**
